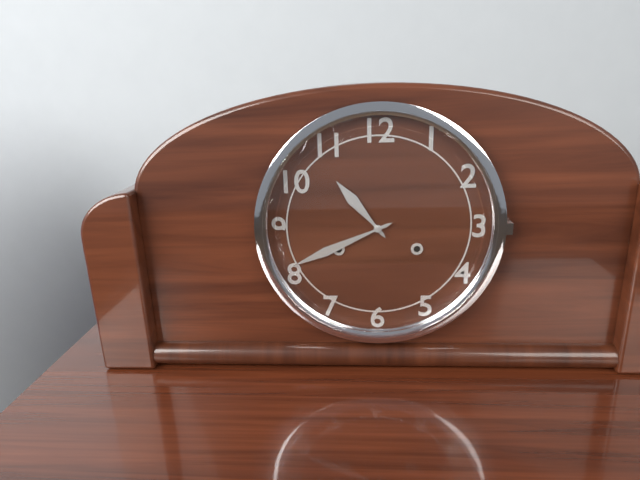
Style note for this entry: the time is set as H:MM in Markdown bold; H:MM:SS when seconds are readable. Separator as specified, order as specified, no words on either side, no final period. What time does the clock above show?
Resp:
**10:41**
